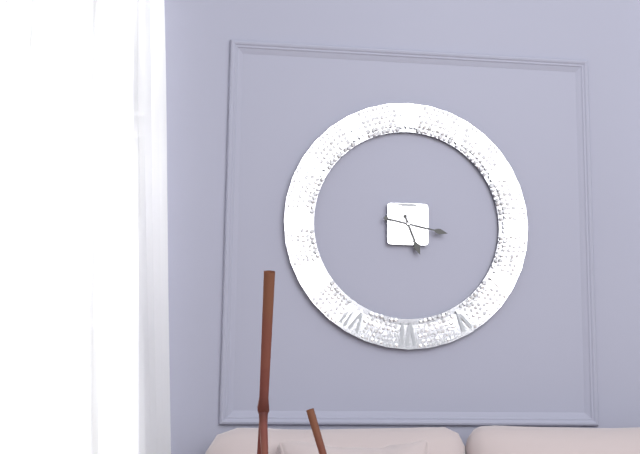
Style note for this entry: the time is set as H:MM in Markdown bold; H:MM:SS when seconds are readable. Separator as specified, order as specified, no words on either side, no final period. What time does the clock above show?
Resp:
**5:17**
